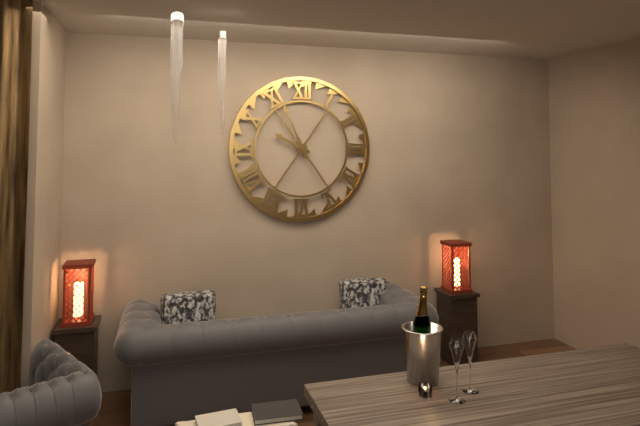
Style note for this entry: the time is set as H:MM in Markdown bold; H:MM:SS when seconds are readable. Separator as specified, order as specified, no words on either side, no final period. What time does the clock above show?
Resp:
**9:56**
